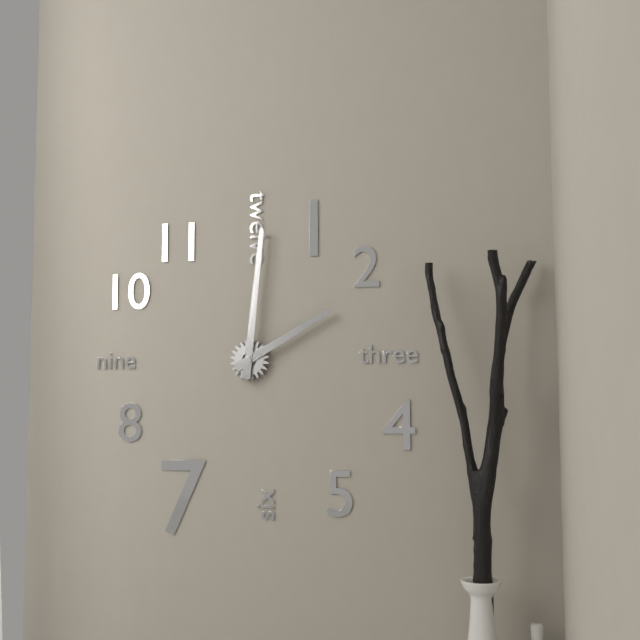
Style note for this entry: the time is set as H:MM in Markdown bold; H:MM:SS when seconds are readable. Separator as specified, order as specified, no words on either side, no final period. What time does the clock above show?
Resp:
**2:01**
